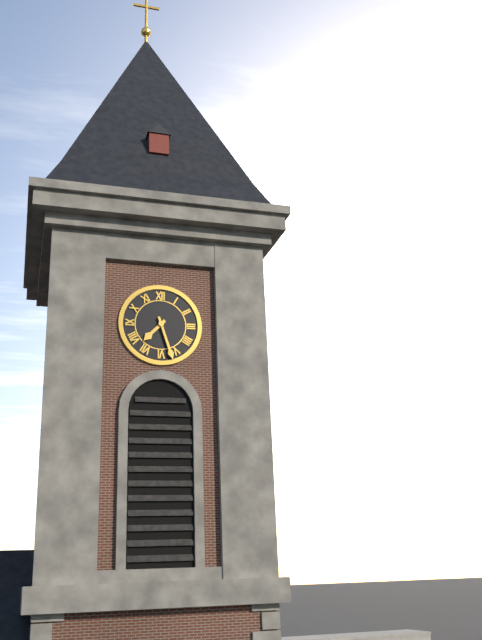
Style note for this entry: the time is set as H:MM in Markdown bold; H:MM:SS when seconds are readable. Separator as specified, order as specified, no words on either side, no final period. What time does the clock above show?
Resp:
**7:27**
